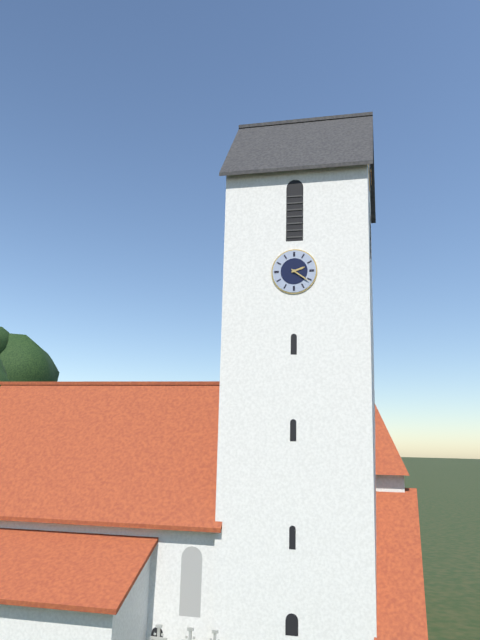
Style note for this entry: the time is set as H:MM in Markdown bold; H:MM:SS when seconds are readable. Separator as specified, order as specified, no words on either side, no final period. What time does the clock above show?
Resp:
**2:21**
